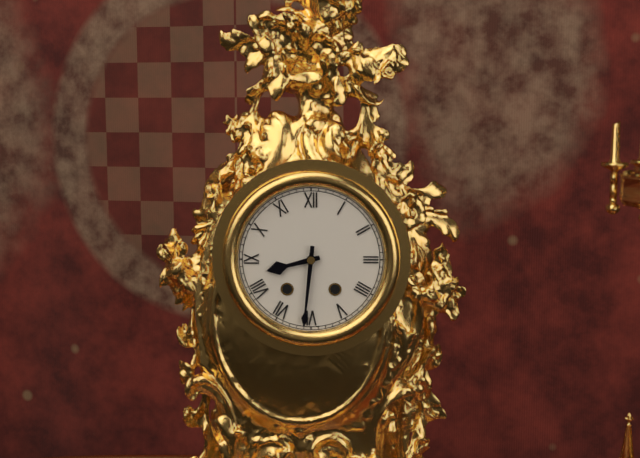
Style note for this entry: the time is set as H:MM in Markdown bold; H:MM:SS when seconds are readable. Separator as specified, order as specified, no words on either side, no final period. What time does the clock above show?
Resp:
**8:31**
